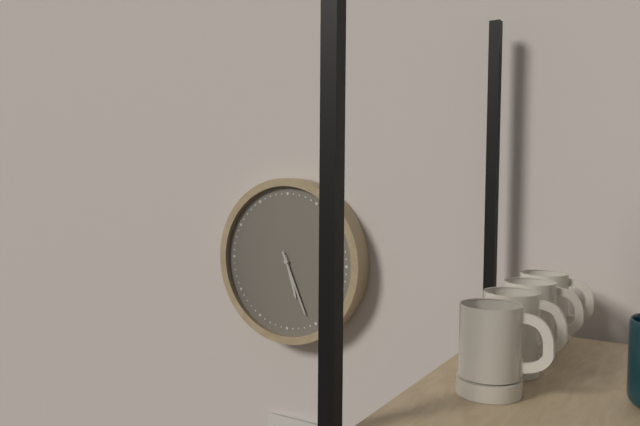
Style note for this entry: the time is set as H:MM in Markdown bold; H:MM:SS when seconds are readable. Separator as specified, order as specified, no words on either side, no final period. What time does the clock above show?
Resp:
**5:26**
